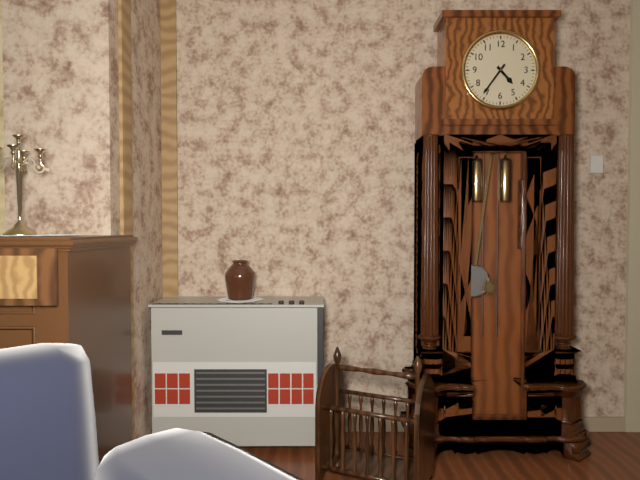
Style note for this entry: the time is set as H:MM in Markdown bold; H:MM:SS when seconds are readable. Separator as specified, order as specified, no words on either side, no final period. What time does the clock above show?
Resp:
**4:36**
